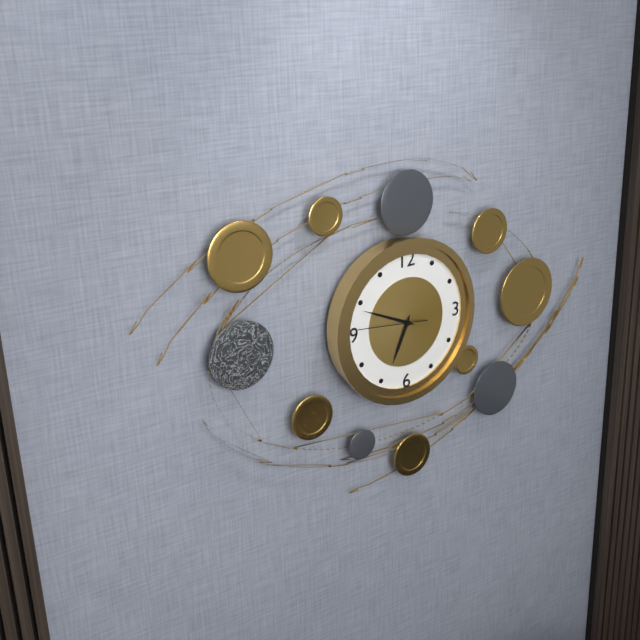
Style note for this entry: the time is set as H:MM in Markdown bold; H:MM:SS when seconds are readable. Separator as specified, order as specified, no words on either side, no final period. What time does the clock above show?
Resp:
**6:49:46**
